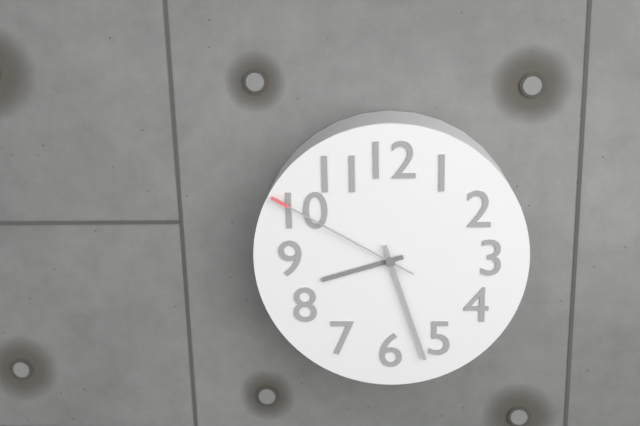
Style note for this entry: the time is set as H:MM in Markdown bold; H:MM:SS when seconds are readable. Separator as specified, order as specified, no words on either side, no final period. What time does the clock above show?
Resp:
**8:27:50**
